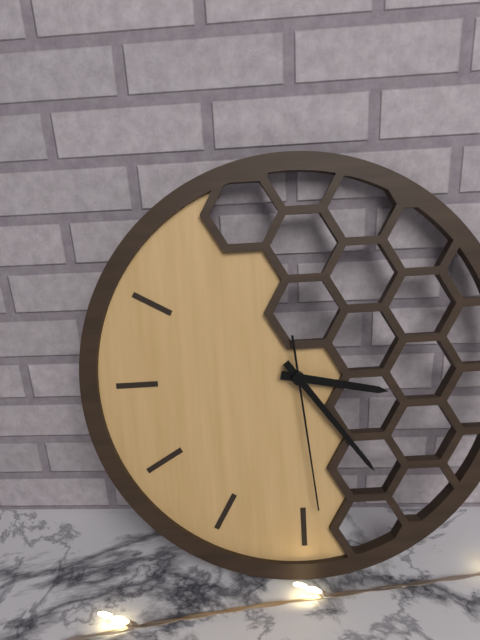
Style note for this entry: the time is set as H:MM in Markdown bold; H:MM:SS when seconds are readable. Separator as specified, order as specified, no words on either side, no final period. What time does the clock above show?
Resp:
**3:24:29**
